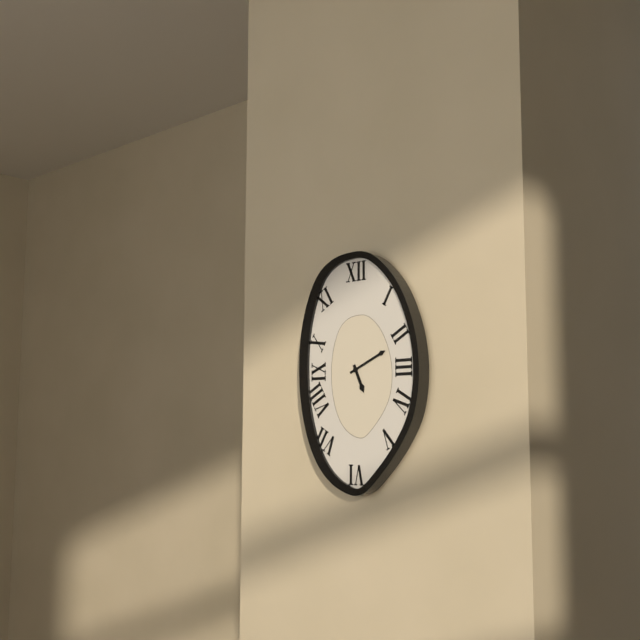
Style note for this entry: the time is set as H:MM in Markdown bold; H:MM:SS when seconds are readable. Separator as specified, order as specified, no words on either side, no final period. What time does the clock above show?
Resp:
**5:11**
